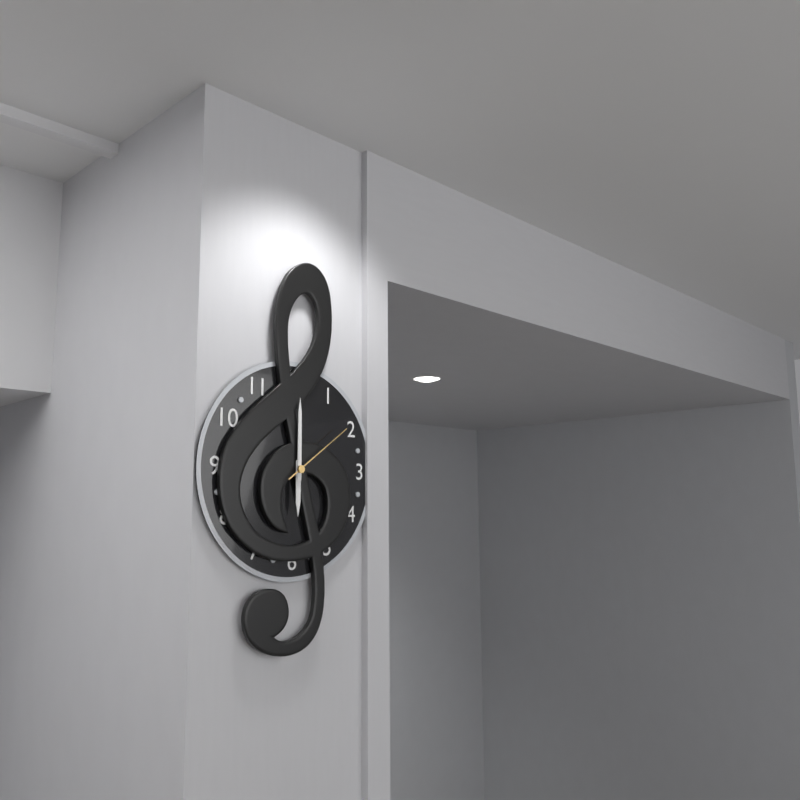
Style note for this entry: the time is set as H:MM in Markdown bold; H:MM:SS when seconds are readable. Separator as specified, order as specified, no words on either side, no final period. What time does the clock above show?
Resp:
**6:00:09**
